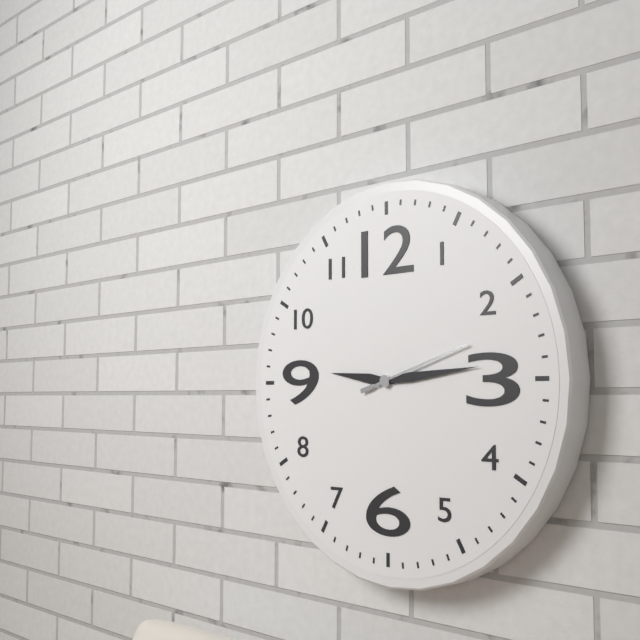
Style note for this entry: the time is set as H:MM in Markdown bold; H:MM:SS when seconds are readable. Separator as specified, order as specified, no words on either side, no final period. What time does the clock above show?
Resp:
**9:14:12**
